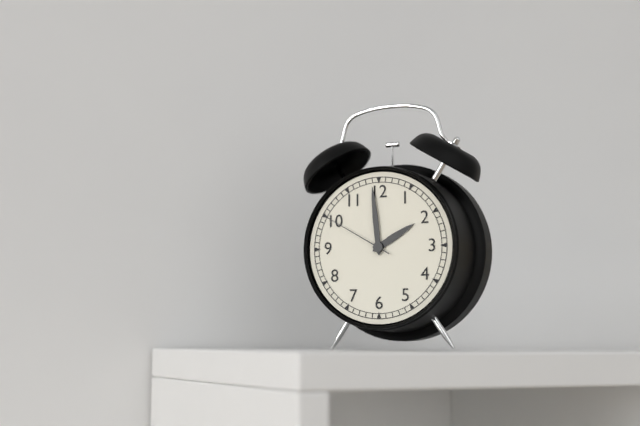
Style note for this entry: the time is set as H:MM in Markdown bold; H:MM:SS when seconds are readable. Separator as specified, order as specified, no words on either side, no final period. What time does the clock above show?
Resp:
**1:59:50**
